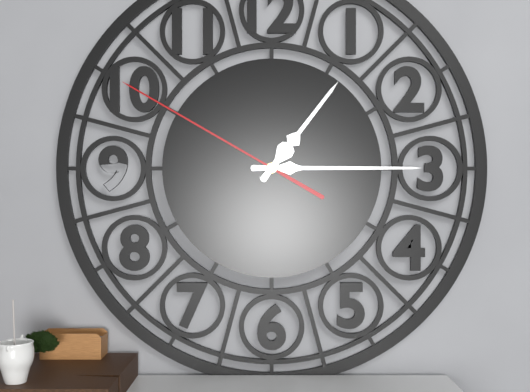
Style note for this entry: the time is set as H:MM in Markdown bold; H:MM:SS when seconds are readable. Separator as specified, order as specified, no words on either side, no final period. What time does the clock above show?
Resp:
**1:15:50**
